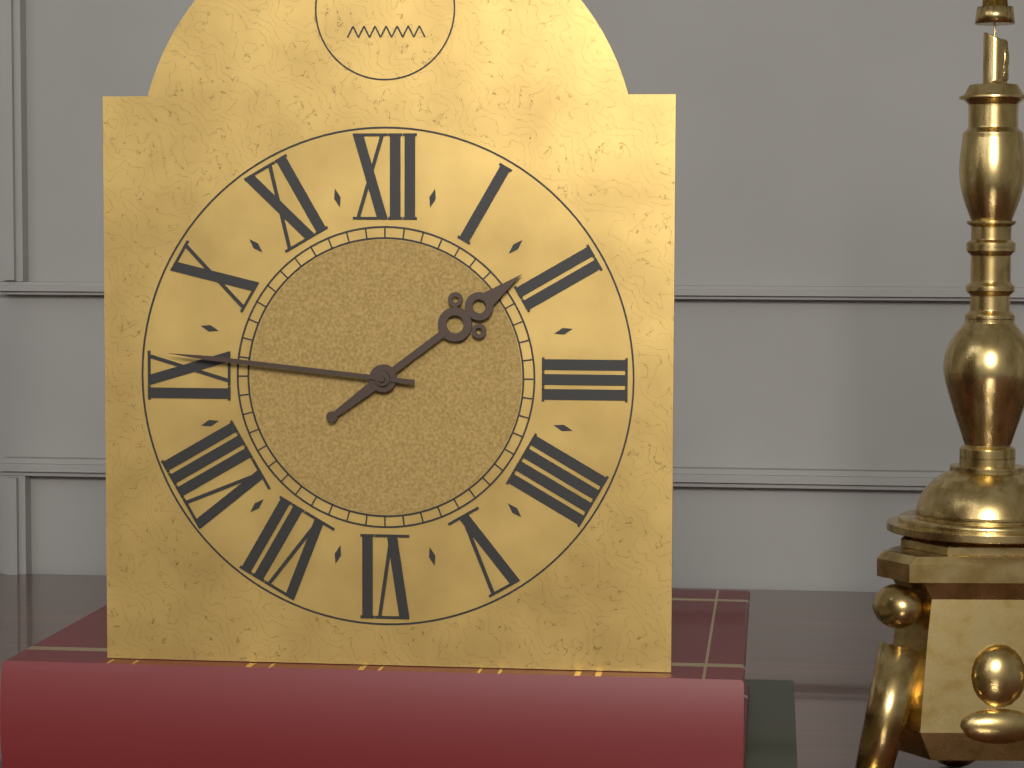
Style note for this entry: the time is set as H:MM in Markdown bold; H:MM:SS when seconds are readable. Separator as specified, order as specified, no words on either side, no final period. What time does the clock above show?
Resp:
**1:46**
